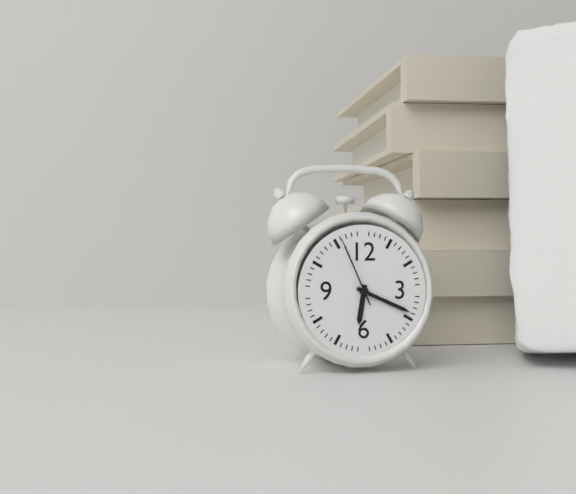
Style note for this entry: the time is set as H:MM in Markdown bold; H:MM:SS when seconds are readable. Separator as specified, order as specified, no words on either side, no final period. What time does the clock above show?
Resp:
**6:19:56**
